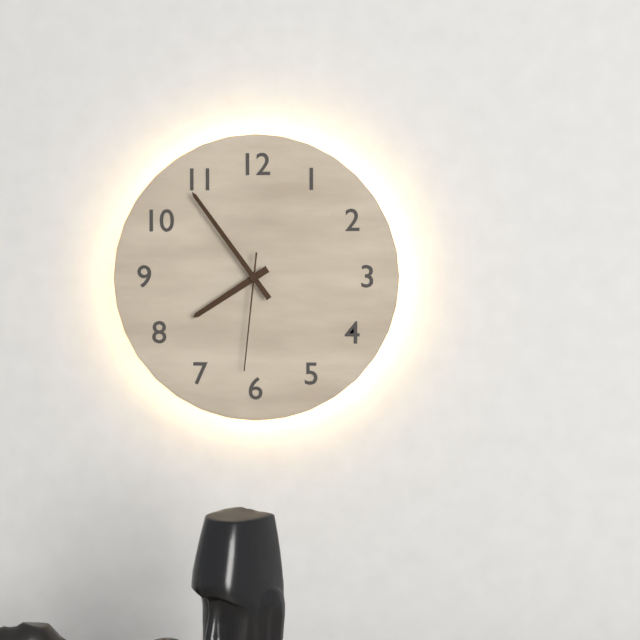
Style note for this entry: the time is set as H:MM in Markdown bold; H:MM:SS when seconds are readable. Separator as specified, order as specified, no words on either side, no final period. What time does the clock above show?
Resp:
**7:54:31**
